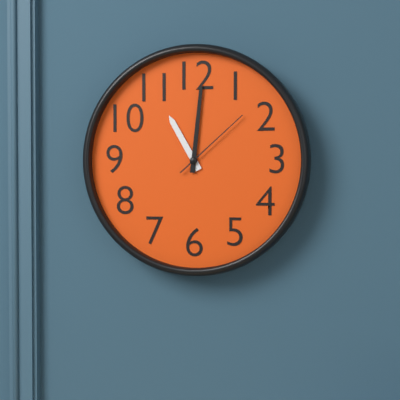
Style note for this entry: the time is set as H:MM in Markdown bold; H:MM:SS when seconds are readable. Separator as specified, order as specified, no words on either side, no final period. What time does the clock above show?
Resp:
**11:01:08**
